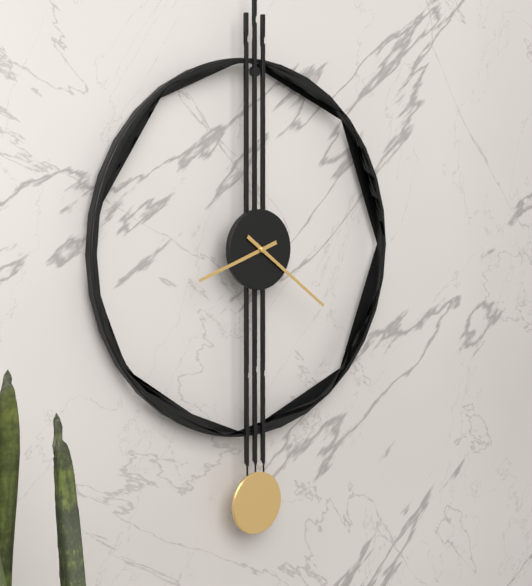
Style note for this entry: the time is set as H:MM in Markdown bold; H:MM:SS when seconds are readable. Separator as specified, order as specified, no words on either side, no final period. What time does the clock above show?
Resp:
**8:21**
